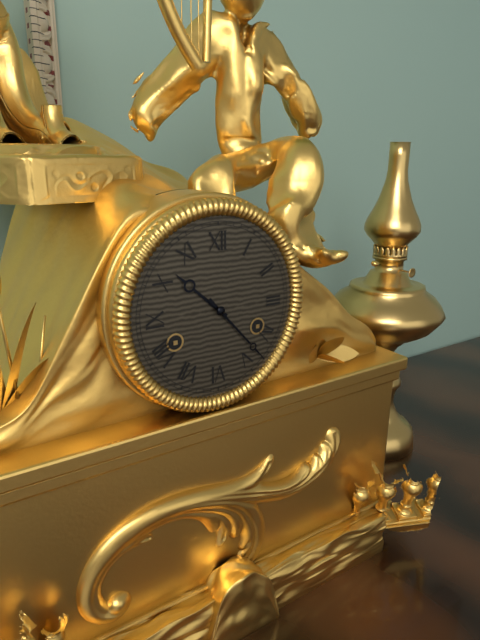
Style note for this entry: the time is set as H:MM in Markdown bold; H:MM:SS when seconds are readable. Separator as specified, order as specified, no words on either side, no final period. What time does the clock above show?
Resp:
**10:23**
